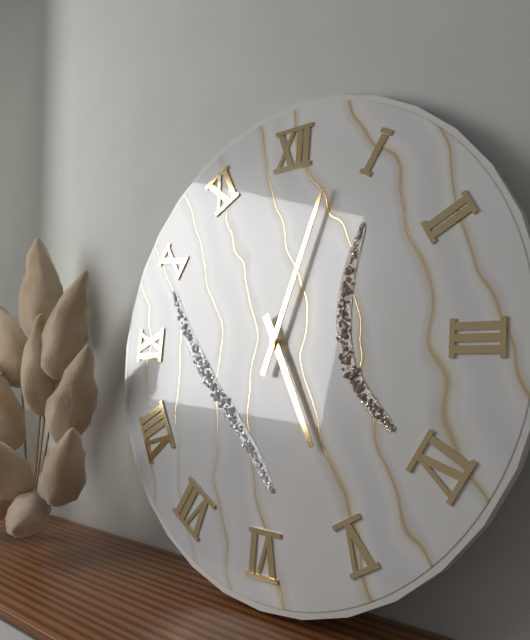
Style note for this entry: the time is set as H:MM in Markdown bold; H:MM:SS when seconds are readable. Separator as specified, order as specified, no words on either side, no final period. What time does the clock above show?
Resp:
**5:03**
